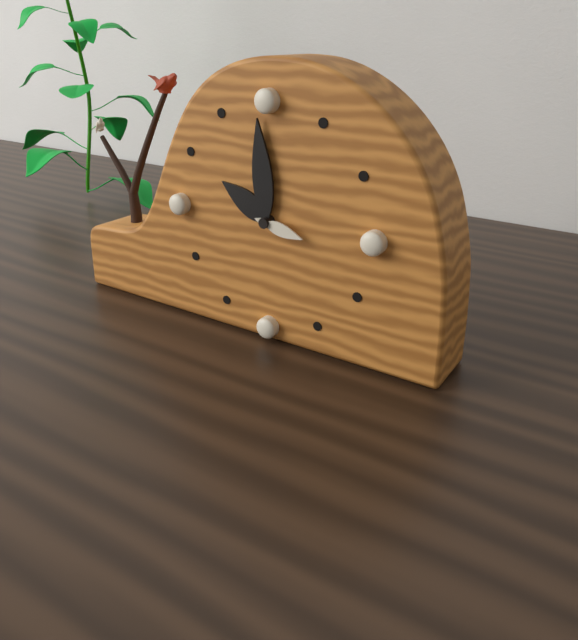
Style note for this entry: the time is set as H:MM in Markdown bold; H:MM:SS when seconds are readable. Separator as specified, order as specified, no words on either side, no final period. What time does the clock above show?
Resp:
**9:59:17**
